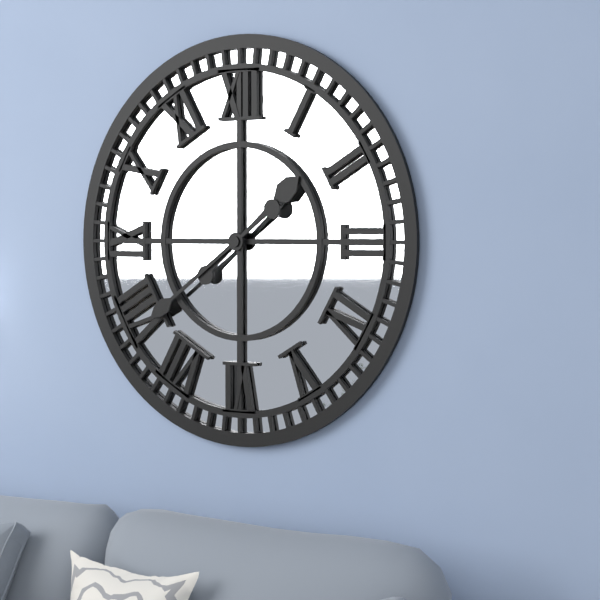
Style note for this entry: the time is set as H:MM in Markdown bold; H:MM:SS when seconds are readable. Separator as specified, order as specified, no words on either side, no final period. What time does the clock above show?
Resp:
**1:39**
